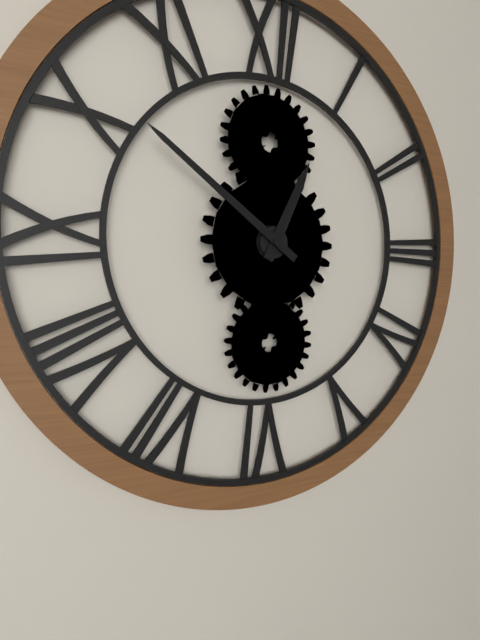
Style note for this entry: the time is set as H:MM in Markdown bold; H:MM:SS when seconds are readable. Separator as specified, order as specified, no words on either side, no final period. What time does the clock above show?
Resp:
**12:51**
